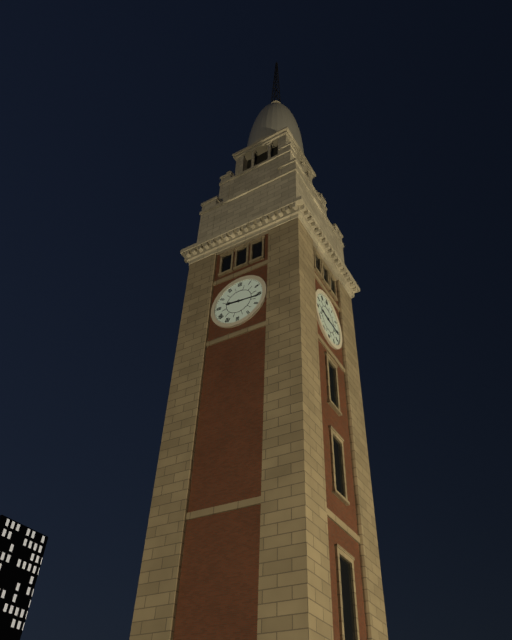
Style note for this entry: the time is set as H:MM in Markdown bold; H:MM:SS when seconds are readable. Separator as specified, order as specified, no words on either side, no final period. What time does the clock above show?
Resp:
**9:16**
